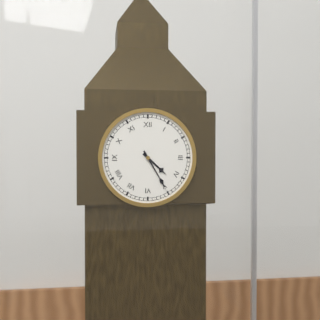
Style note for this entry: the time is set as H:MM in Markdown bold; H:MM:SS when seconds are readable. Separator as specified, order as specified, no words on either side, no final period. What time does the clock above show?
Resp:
**4:25**
